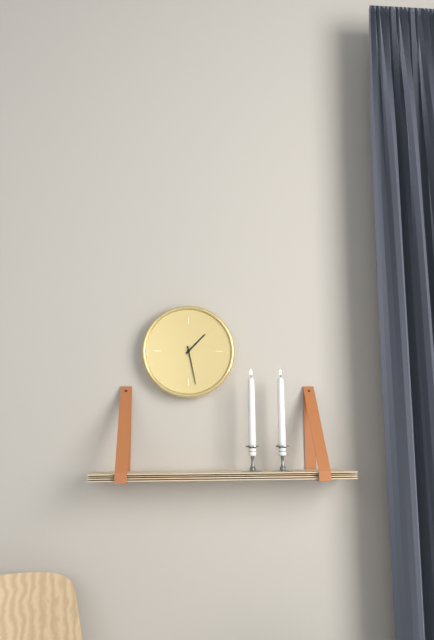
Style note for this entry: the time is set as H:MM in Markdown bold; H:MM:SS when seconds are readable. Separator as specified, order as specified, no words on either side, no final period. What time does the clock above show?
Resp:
**1:28**
